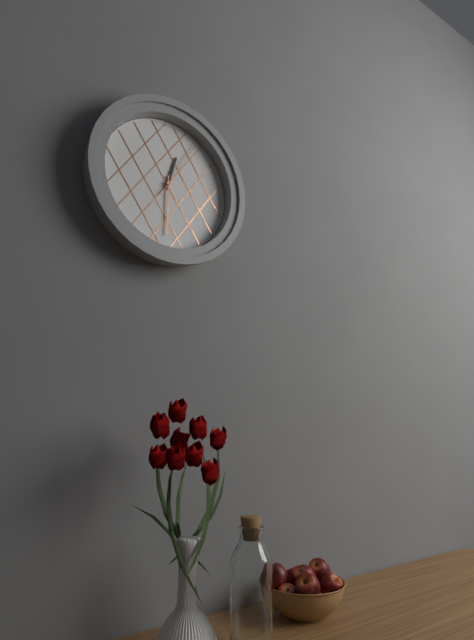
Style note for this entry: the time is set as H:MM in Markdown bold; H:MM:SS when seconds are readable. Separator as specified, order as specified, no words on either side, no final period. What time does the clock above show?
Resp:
**12:30:05**
